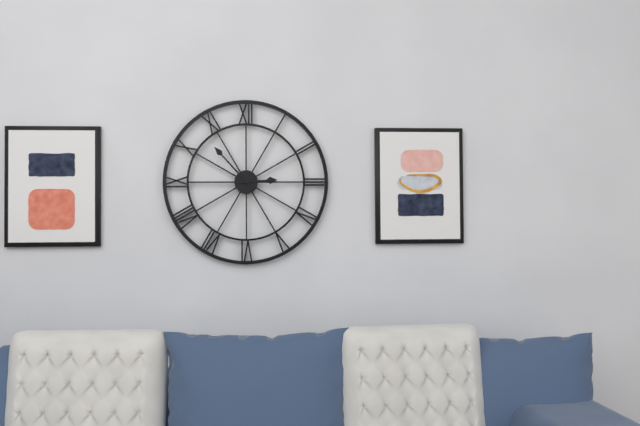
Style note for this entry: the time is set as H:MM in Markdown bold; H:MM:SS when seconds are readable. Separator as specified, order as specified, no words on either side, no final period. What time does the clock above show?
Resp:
**2:53**
